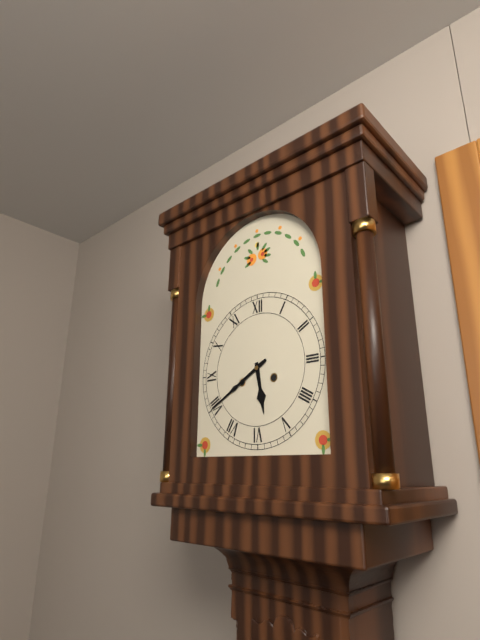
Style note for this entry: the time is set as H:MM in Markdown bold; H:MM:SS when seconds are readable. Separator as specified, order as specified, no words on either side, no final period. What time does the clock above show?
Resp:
**5:40**
